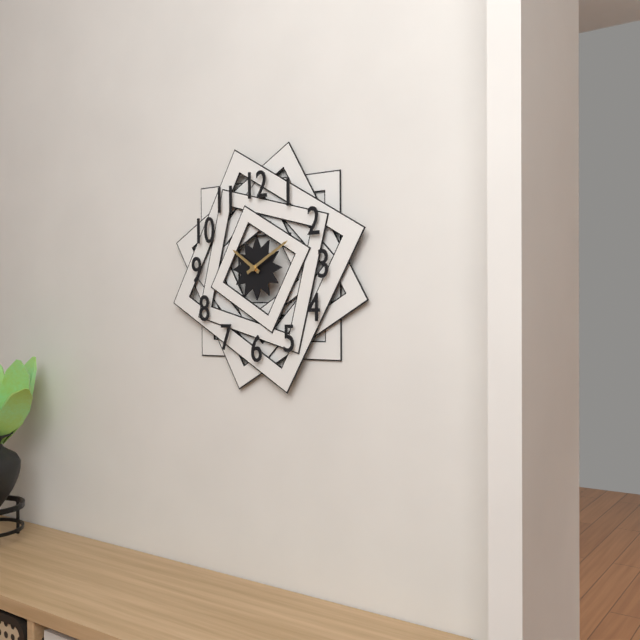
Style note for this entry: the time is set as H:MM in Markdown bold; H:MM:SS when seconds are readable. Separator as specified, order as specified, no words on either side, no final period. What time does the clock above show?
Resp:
**10:10**
